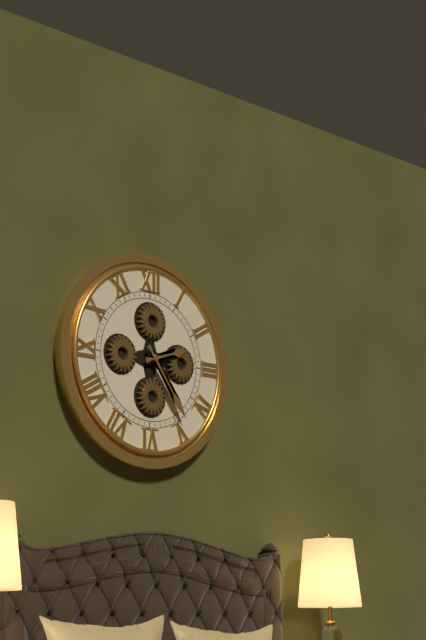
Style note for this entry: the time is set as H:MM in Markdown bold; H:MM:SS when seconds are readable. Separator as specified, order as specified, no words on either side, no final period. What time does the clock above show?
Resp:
**2:24**
